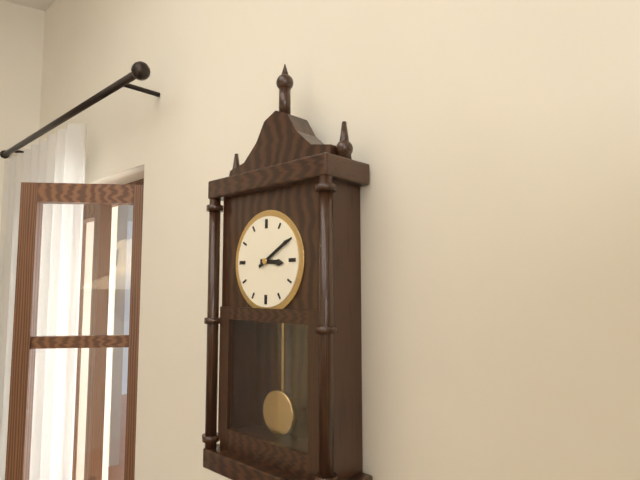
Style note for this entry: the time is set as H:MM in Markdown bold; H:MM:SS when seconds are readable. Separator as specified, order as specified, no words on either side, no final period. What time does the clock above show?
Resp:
**3:10**
